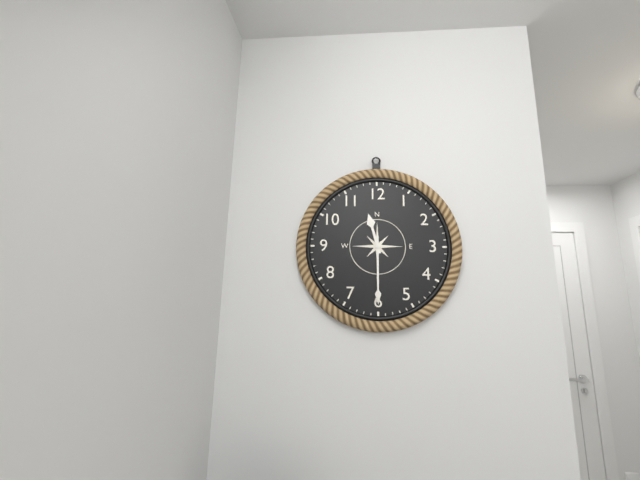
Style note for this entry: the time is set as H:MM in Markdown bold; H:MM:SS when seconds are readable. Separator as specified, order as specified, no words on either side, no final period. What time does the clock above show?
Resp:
**11:30**
